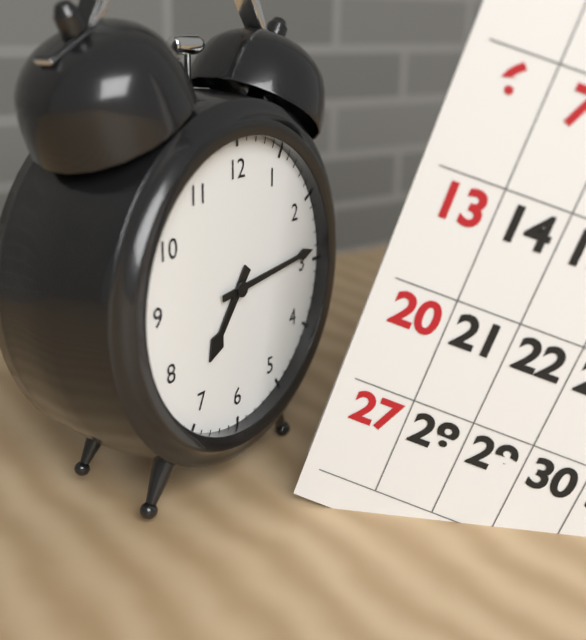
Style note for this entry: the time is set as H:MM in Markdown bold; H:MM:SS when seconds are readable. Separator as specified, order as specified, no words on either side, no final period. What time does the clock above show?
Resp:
**7:14**
